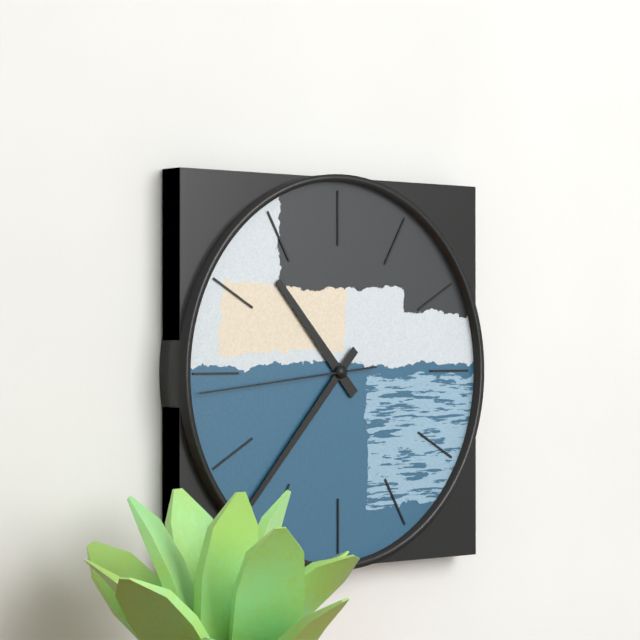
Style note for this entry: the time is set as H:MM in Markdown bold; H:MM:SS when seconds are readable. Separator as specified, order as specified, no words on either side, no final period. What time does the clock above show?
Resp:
**10:37:44**
